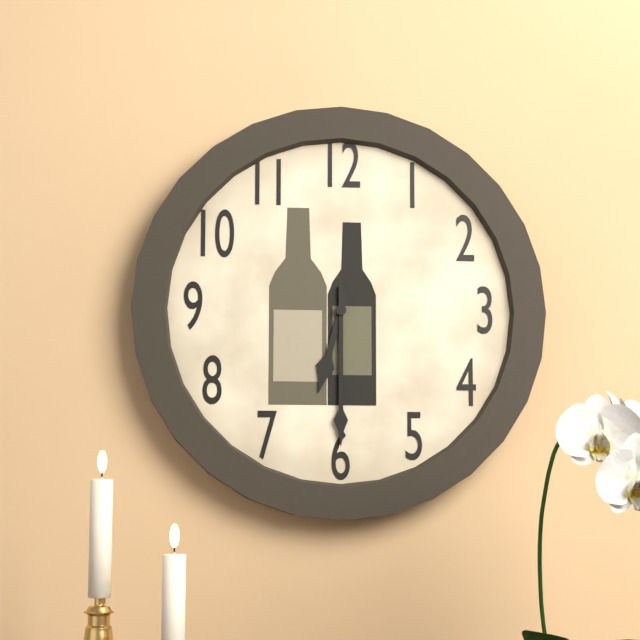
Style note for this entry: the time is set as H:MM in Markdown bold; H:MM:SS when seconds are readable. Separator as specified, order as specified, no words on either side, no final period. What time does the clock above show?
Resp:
**6:30**
